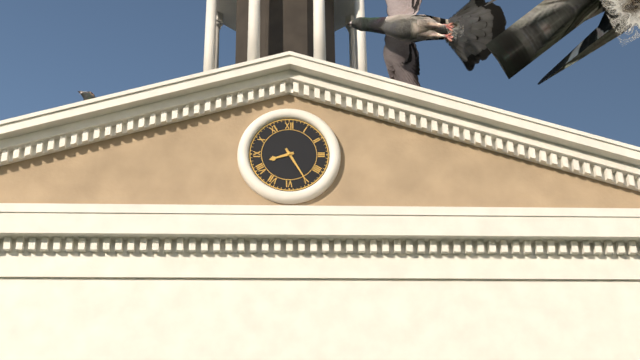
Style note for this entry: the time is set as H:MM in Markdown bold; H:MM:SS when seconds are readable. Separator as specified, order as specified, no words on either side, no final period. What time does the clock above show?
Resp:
**8:25**
